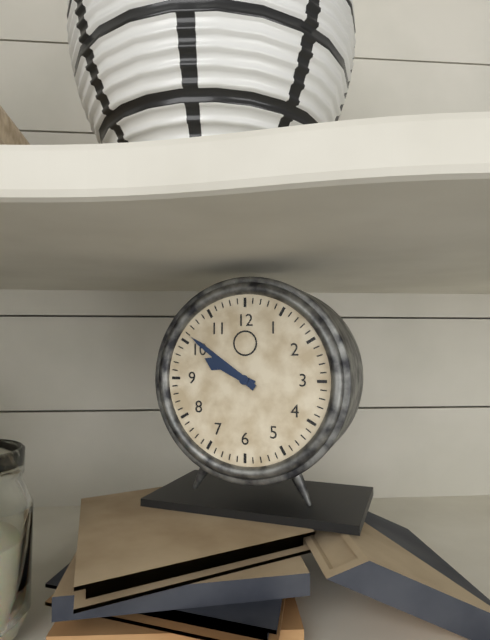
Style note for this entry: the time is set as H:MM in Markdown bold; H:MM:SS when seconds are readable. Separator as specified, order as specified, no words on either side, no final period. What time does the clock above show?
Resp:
**9:51**
